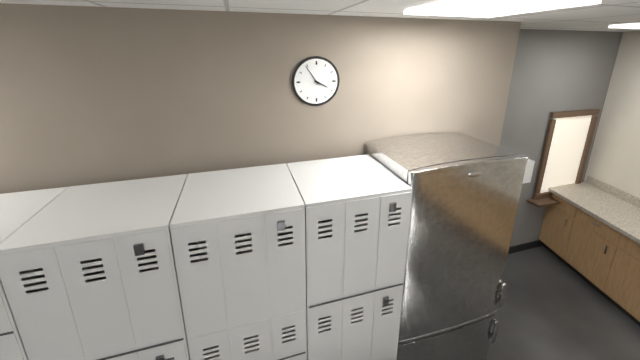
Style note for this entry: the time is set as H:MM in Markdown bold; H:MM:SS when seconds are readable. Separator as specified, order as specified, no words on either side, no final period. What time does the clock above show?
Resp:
**3:54**
